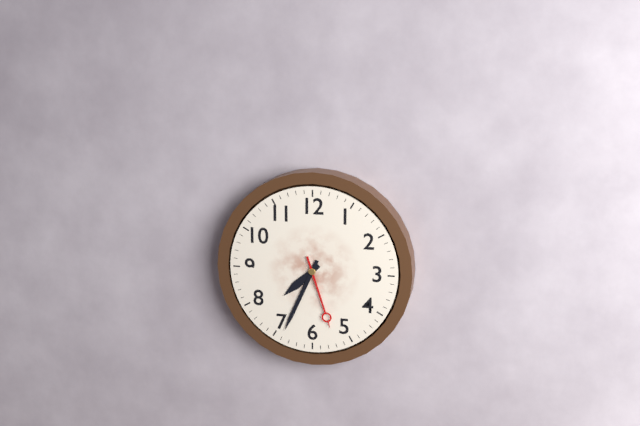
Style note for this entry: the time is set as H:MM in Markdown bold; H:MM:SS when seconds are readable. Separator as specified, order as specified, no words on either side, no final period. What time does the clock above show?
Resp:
**7:34:27**
